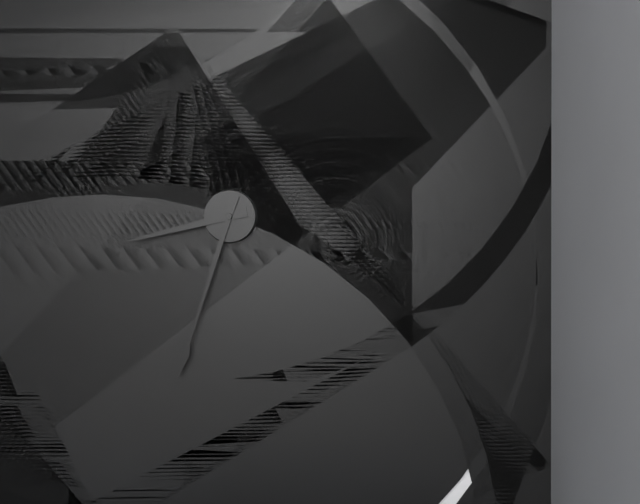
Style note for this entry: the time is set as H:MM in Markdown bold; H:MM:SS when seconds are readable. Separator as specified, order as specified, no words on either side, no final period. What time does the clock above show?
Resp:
**8:33**
